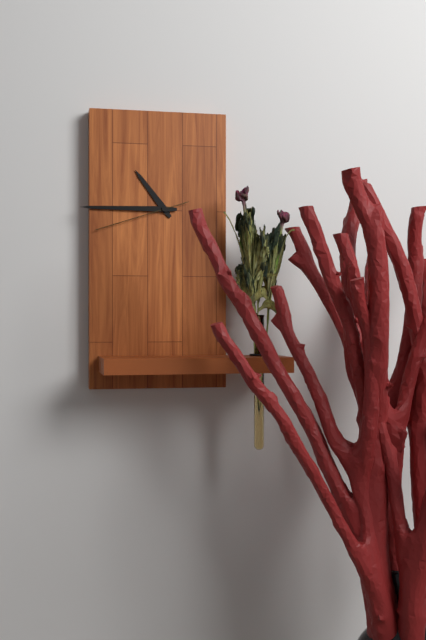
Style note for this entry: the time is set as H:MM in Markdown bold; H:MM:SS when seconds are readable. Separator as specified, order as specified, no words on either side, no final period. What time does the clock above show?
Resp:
**10:45:42**
